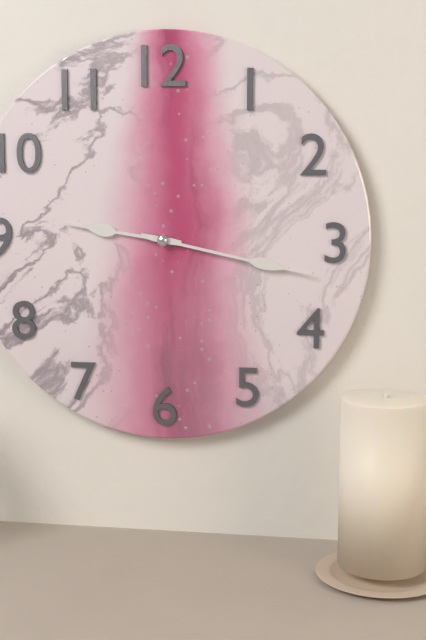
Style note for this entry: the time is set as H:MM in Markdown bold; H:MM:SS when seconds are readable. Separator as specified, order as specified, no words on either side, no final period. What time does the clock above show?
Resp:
**9:17**
